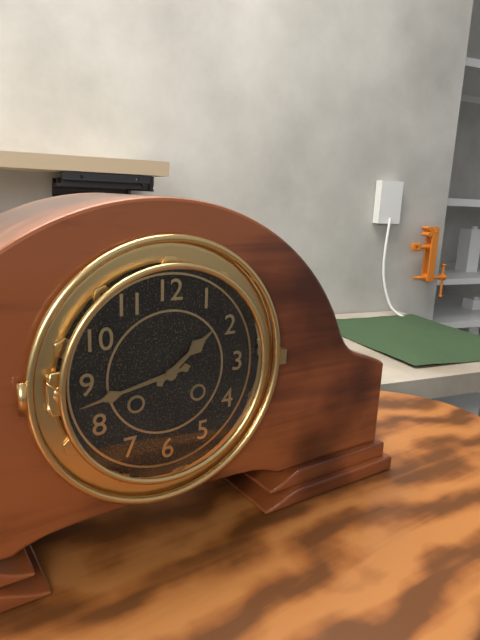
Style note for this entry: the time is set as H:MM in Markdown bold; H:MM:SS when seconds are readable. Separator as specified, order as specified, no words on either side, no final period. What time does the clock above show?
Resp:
**1:43**
